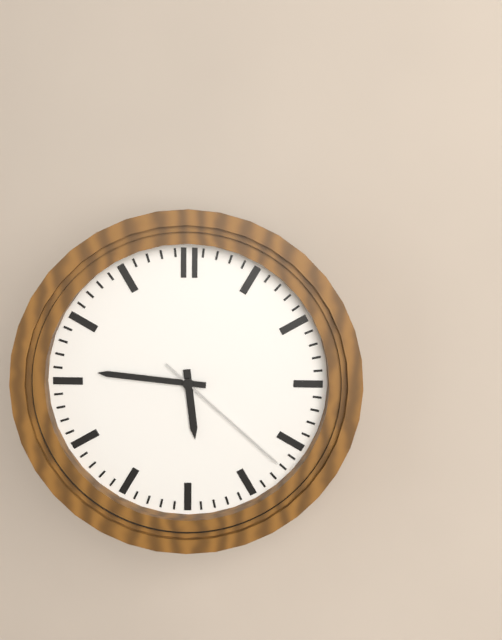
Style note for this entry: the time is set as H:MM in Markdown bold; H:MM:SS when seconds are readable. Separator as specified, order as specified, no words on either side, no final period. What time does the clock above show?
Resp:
**5:46:22**
